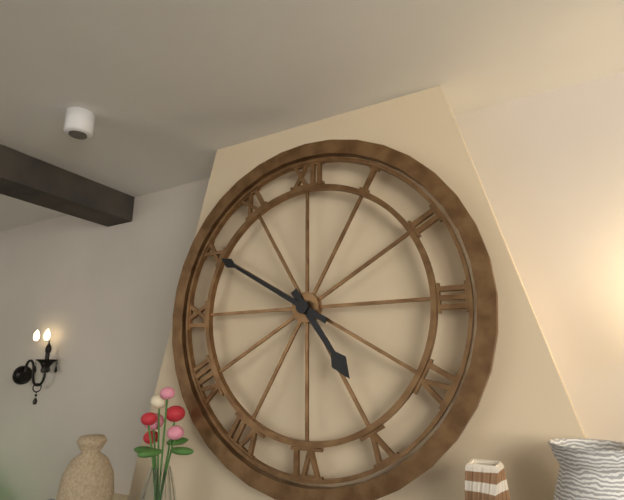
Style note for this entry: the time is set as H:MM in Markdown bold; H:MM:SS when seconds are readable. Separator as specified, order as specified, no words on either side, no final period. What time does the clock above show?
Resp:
**4:50**
